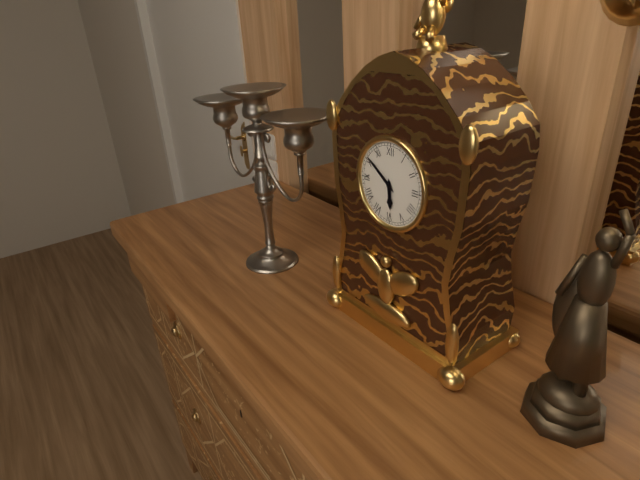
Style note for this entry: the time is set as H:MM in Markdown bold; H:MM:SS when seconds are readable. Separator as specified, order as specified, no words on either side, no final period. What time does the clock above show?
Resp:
**5:51**
